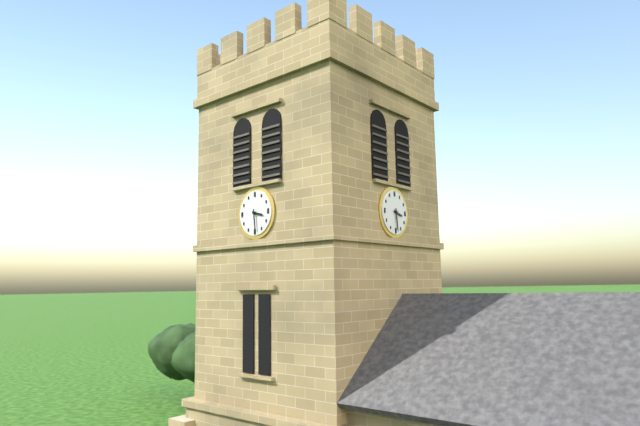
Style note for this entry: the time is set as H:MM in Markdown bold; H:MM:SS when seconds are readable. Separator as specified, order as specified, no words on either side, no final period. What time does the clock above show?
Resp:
**3:29**
